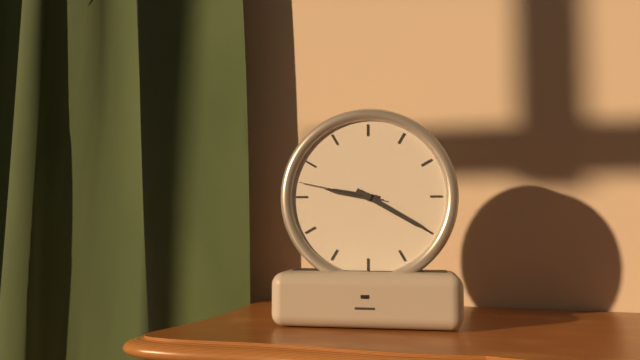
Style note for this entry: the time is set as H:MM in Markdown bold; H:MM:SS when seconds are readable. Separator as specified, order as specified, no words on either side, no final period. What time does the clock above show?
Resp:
**9:20:47**
